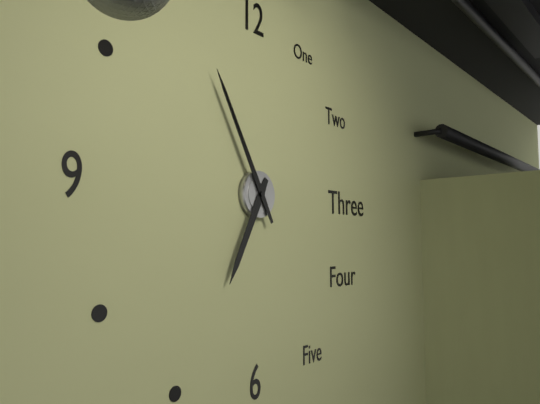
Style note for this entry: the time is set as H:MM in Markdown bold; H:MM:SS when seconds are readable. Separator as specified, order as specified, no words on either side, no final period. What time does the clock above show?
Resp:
**6:55**
